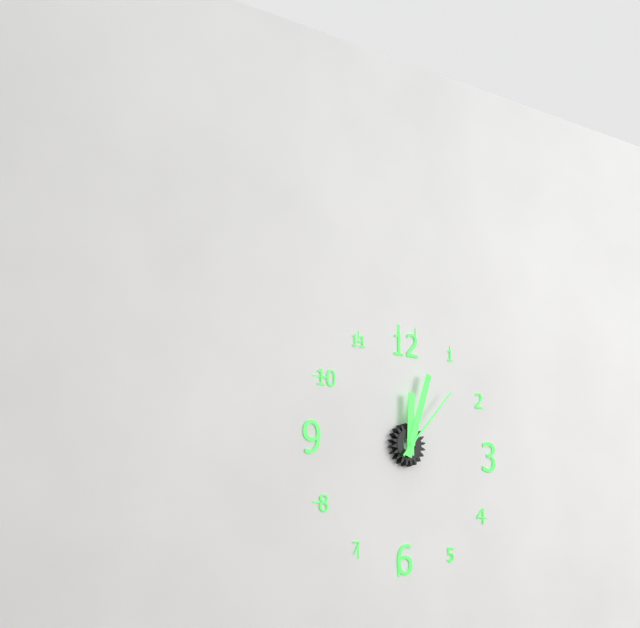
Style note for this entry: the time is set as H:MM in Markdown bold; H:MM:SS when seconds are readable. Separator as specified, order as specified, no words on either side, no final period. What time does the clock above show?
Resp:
**12:03:07**
